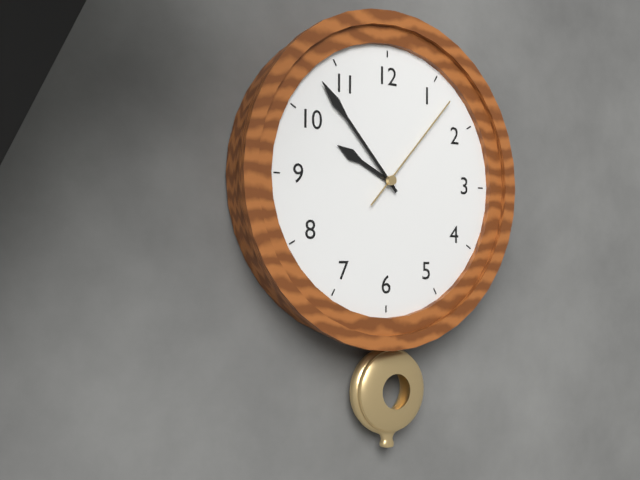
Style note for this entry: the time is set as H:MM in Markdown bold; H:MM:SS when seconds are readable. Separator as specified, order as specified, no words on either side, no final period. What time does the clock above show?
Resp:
**9:53:07**
